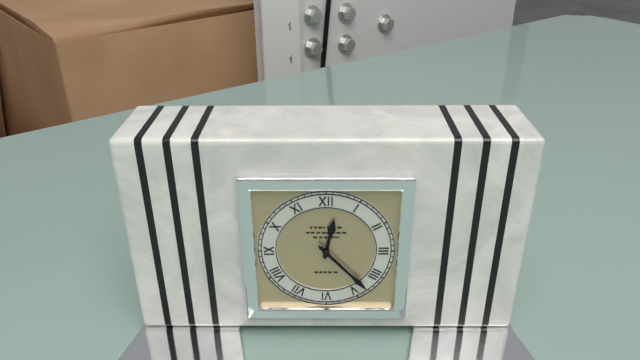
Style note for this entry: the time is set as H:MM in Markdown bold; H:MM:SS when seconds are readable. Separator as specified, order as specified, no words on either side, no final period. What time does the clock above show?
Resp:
**12:23**
